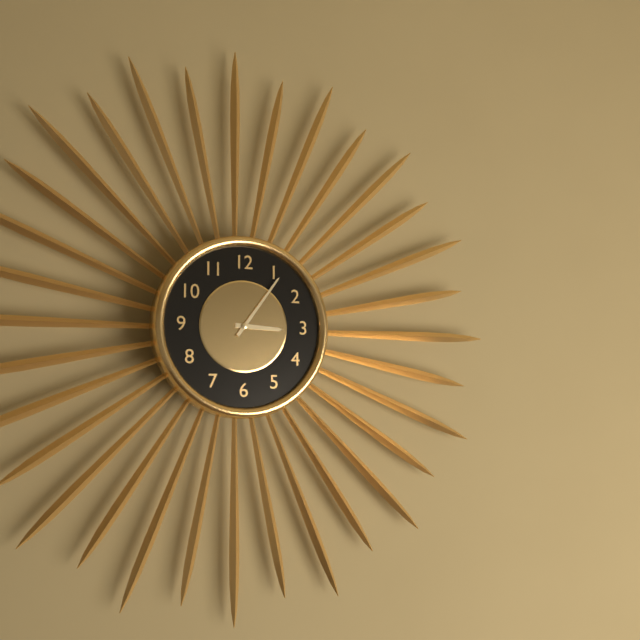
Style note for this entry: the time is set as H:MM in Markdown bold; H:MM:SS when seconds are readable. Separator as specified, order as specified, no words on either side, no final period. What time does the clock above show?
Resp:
**3:06**
